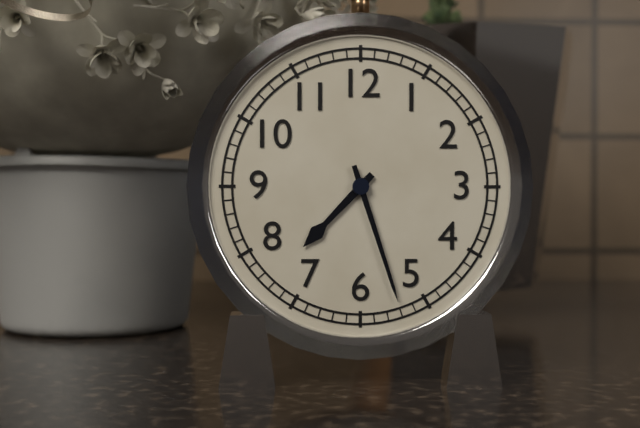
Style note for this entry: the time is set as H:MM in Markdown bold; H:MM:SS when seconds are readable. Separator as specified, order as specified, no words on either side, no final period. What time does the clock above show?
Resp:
**7:27**
